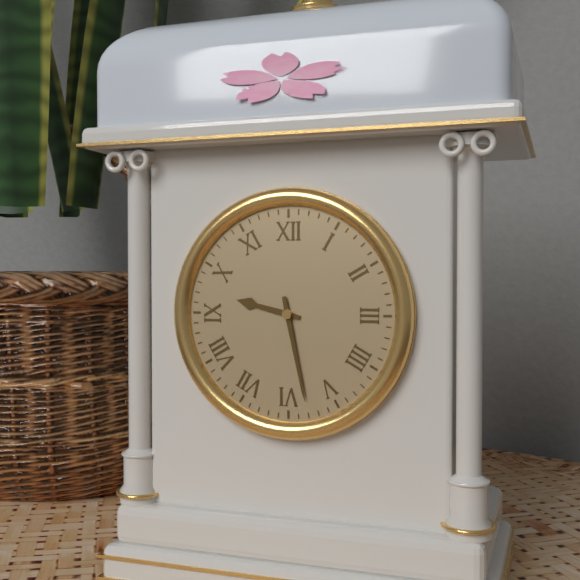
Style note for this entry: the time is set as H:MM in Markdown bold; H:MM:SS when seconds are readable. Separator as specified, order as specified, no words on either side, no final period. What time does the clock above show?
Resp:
**9:28**
